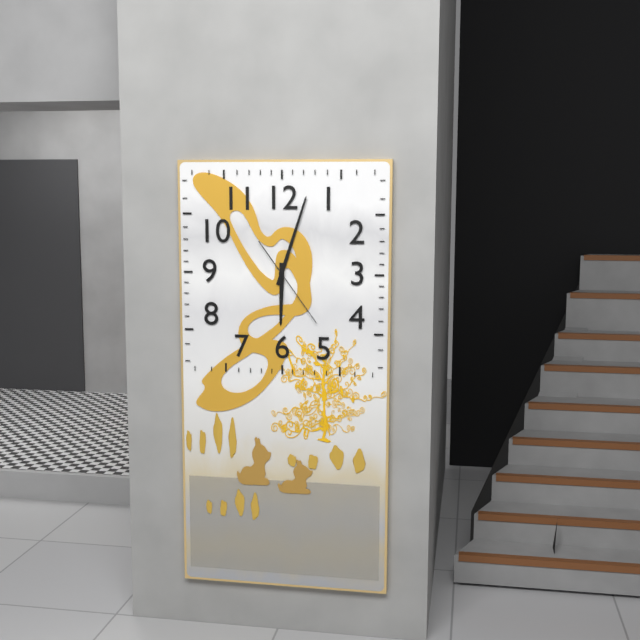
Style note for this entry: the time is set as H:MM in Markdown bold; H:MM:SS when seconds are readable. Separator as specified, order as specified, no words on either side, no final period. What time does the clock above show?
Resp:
**6:03:24**
